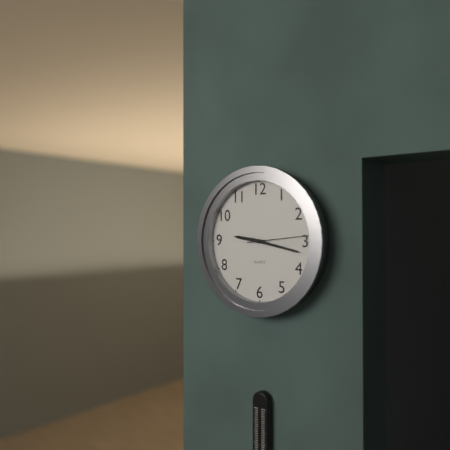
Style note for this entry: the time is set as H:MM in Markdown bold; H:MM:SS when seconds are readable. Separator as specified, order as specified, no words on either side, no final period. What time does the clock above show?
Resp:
**9:17:14**
